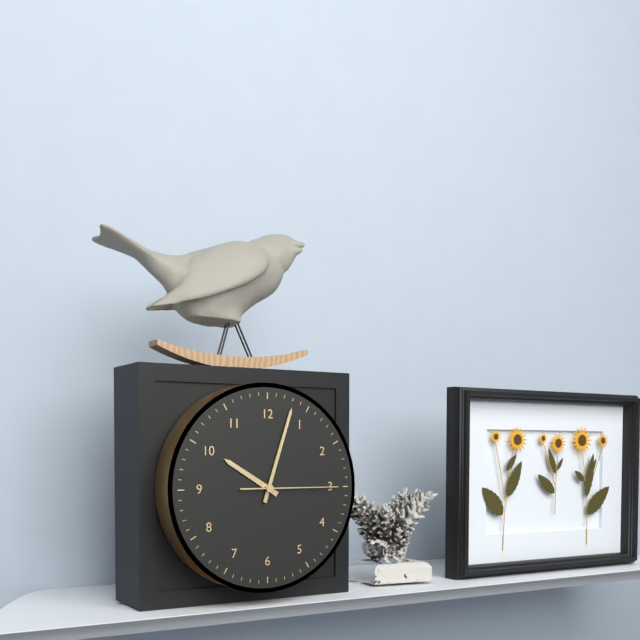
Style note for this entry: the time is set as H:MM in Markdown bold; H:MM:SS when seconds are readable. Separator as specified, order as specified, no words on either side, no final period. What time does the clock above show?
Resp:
**10:03:15**
